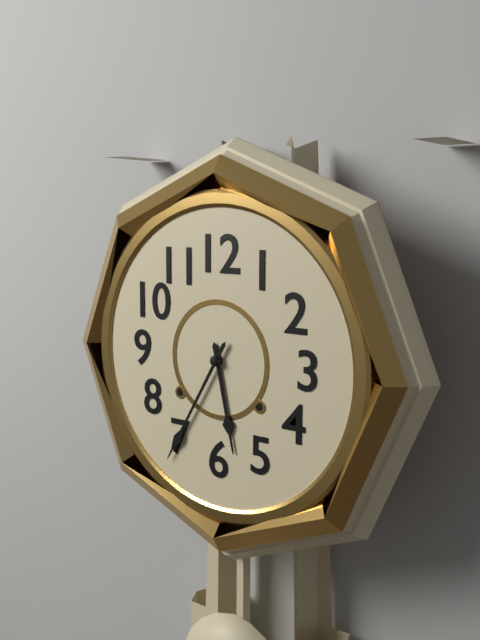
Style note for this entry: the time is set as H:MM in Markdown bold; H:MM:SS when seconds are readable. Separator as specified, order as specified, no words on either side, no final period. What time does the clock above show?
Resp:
**5:35**
